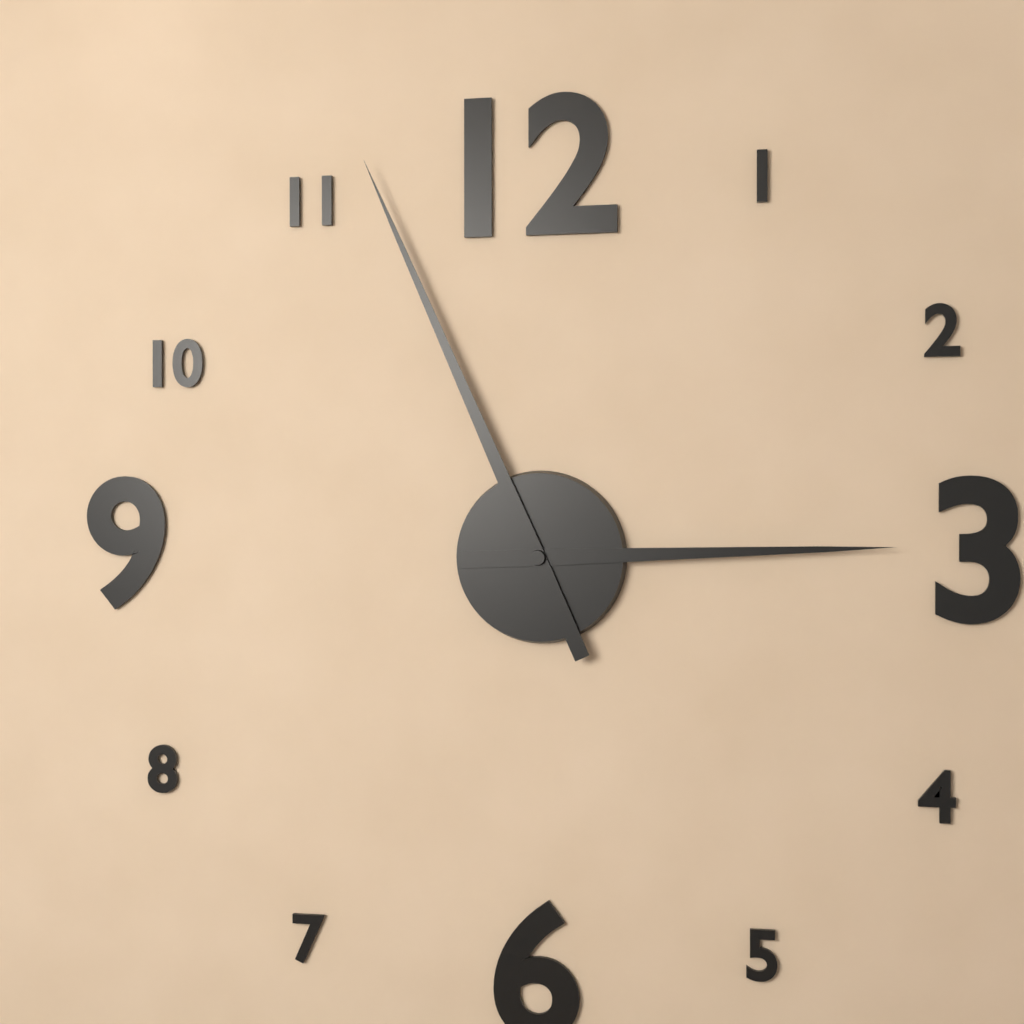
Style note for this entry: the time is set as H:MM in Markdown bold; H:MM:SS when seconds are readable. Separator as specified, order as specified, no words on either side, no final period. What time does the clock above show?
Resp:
**2:56**
